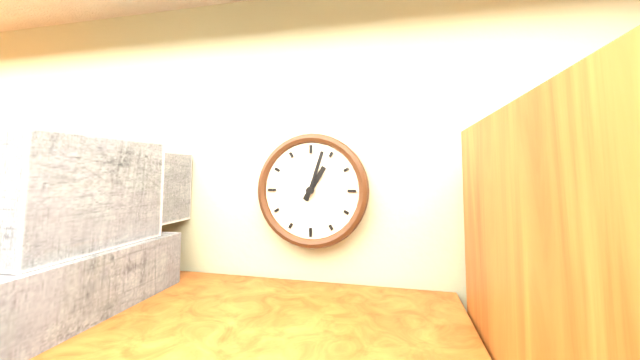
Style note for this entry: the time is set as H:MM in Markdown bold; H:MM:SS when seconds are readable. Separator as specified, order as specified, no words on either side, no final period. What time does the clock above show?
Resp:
**1:03**
